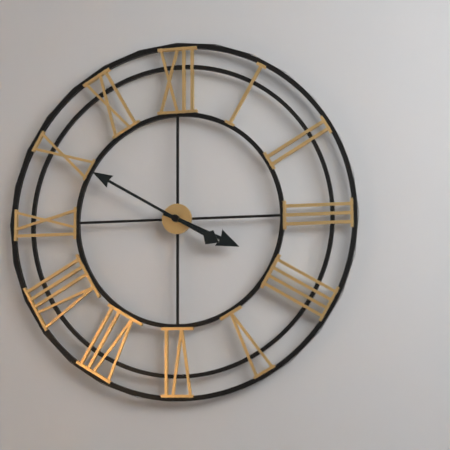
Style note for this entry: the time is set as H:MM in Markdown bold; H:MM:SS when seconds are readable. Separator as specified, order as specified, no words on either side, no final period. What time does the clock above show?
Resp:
**3:50**
